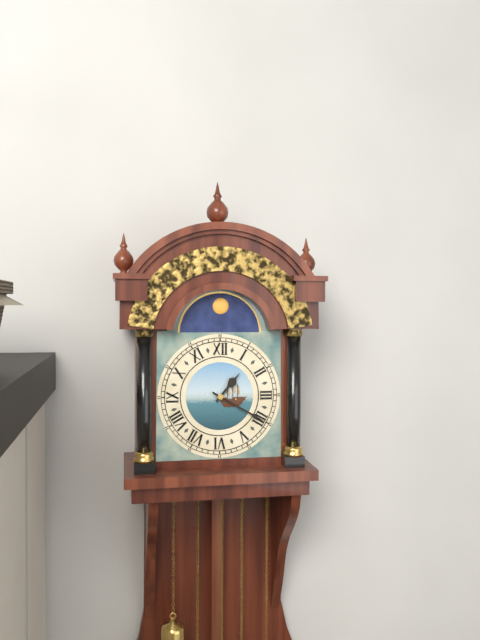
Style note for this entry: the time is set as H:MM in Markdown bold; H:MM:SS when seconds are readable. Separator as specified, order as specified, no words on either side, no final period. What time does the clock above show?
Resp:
**1:20**
